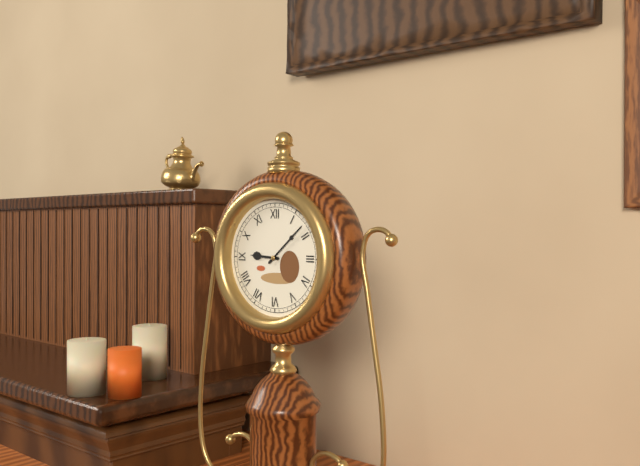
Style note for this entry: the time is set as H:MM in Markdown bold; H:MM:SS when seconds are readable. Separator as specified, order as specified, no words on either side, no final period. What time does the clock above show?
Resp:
**9:08**
